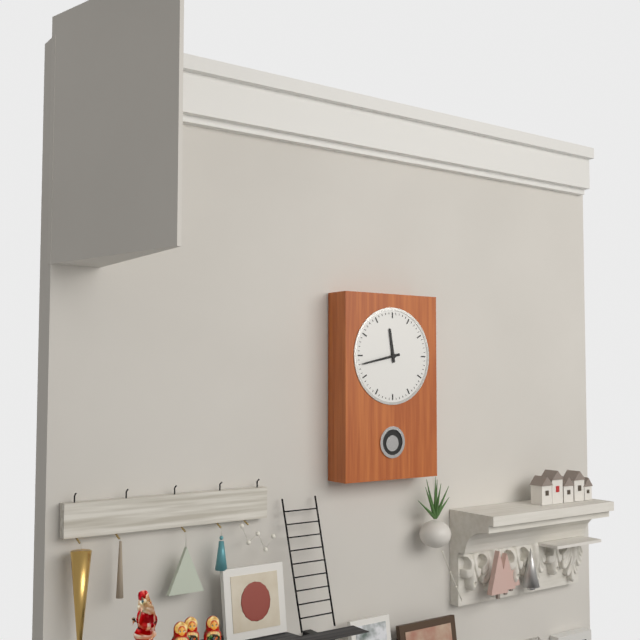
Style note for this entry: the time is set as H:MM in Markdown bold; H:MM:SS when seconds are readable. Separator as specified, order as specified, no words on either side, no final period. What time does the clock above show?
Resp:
**11:43**
